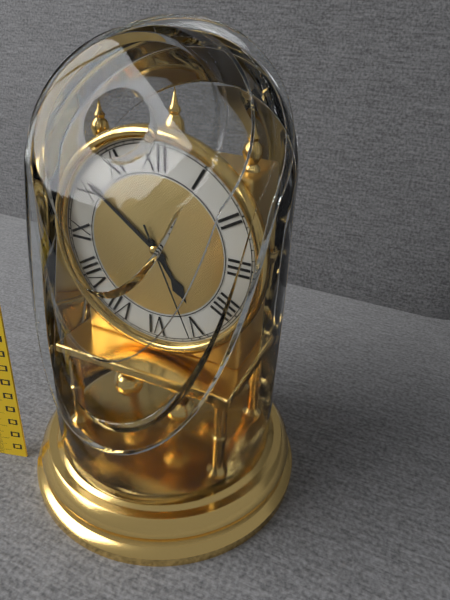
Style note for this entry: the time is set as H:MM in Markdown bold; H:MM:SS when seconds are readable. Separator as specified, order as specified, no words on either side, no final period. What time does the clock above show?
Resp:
**4:51:26**
